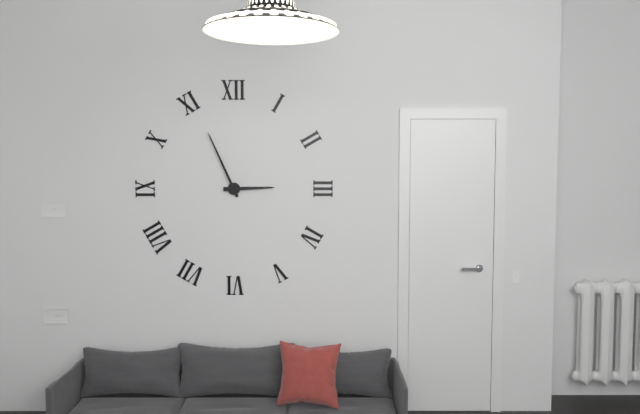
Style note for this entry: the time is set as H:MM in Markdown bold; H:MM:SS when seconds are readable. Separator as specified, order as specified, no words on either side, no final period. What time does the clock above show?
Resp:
**2:56**
